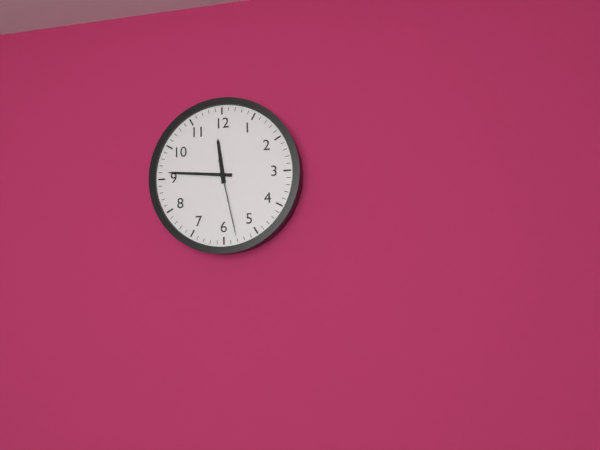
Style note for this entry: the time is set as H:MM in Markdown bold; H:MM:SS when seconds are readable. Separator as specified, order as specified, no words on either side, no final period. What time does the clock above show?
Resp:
**11:46:28**
